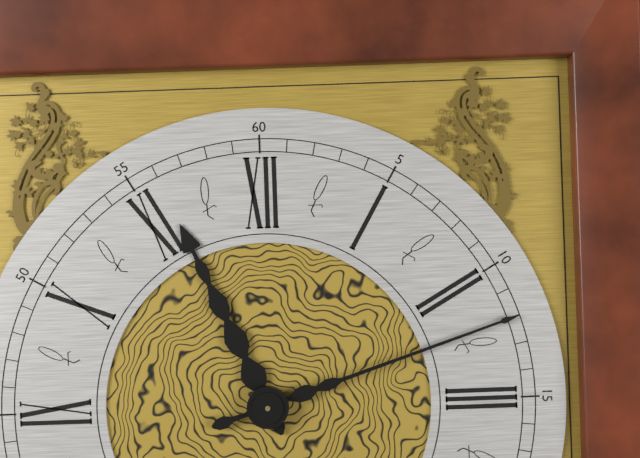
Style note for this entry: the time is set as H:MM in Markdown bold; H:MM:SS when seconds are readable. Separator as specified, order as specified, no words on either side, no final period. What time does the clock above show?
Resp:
**11:12**
